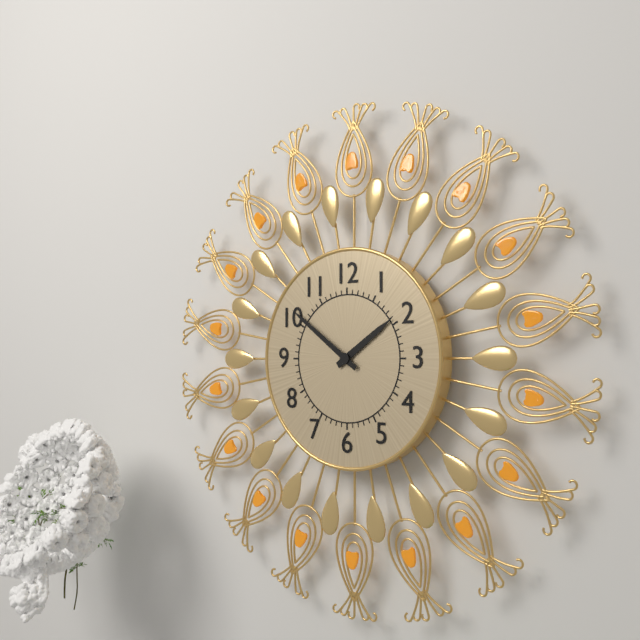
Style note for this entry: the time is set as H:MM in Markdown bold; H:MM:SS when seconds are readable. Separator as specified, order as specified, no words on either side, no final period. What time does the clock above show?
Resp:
**1:51**
